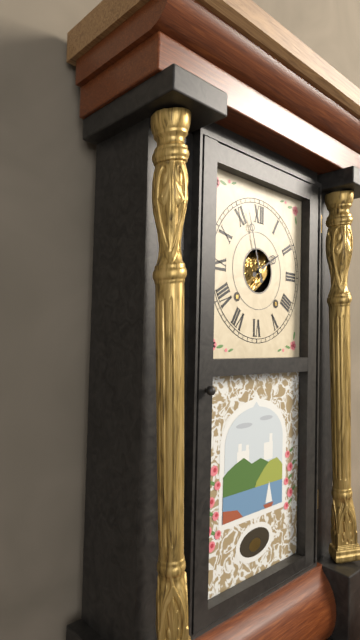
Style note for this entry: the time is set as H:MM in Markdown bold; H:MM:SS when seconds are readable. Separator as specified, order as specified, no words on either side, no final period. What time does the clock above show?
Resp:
**1:57**
